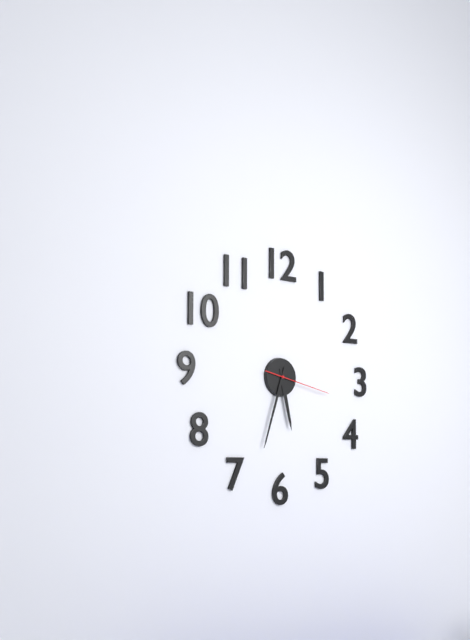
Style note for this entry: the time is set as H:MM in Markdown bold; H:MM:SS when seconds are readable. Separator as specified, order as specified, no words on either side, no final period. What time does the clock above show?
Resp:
**5:33:17**
